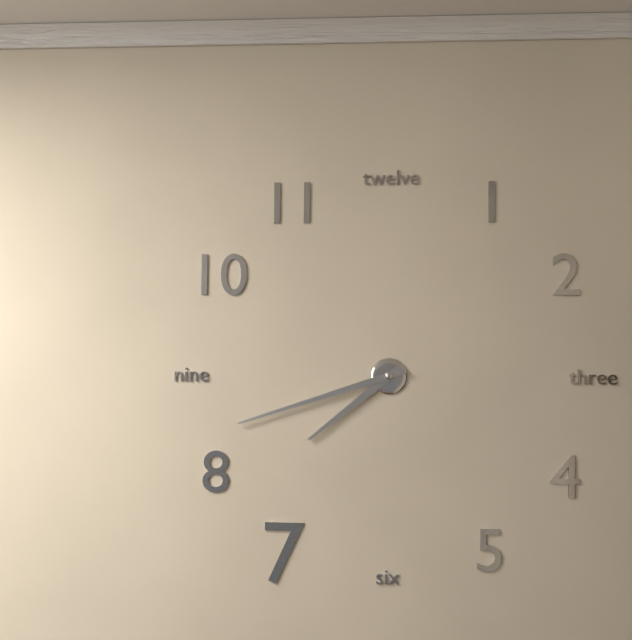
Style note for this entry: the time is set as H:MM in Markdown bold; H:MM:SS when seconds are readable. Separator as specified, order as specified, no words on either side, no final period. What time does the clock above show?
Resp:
**7:42**
